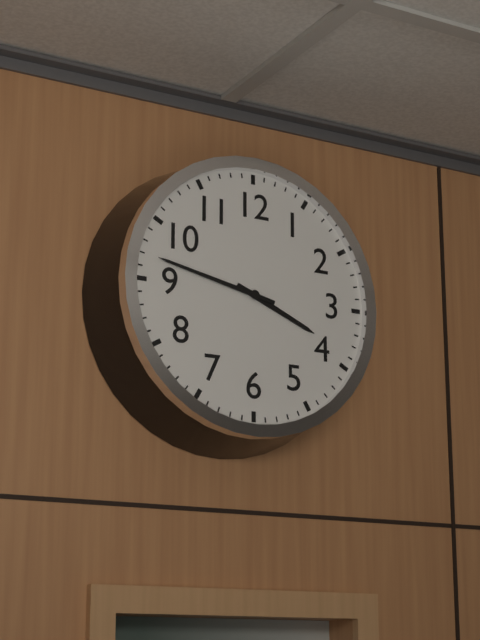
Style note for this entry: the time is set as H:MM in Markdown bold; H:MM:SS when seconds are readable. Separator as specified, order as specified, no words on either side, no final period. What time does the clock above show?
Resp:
**3:47**
